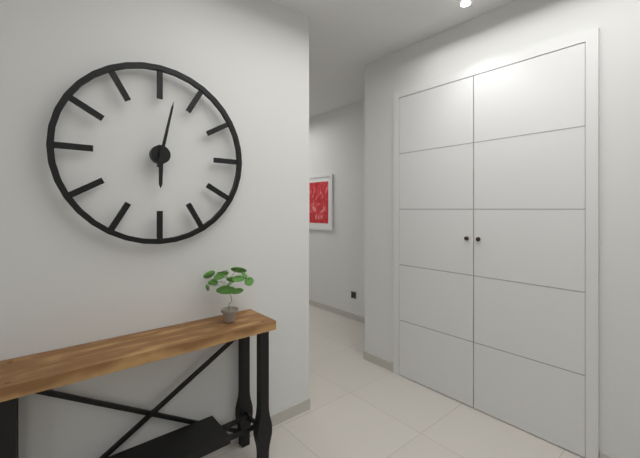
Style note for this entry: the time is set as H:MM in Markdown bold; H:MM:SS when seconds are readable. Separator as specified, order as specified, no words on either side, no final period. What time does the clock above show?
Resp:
**6:02**
